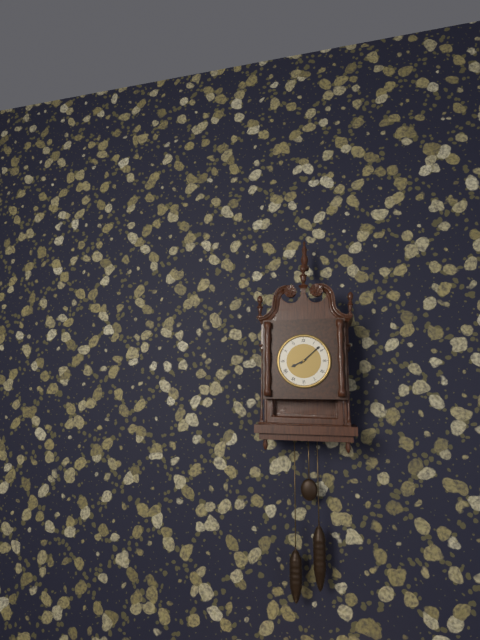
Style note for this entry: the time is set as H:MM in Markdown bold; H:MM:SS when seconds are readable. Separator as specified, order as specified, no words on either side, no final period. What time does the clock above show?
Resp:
**8:08**
